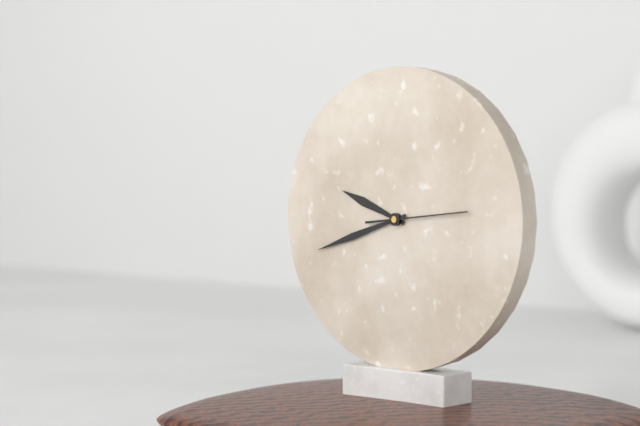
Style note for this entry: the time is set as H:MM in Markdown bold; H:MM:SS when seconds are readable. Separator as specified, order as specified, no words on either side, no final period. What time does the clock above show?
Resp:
**9:42:14**
